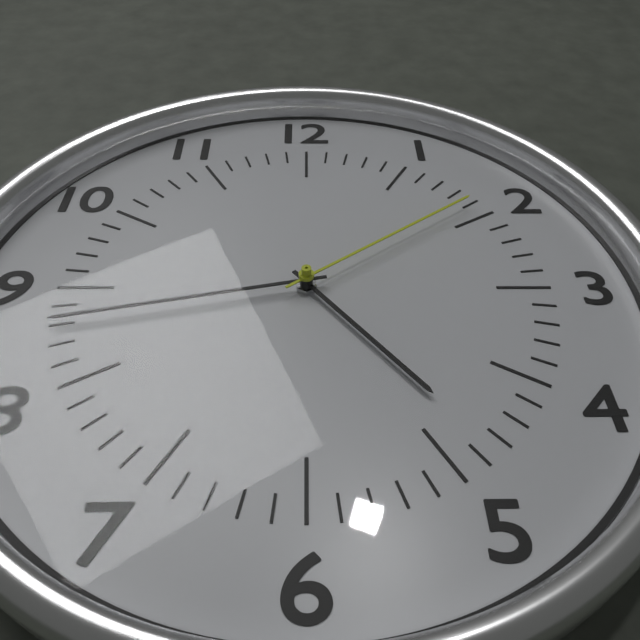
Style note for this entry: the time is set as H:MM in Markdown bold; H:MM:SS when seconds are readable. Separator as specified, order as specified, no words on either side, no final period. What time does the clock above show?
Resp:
**4:43:09**
